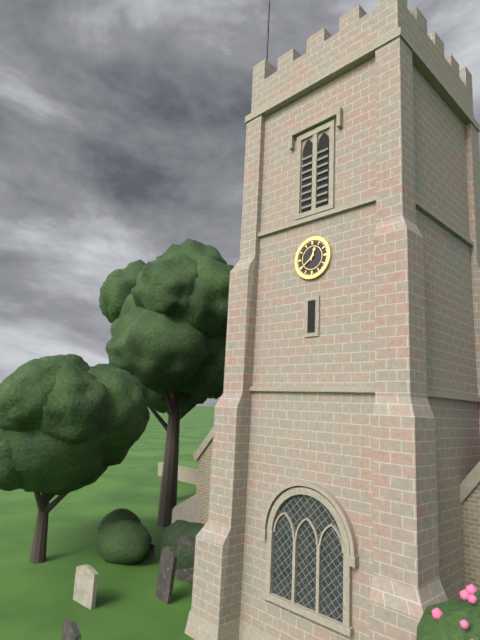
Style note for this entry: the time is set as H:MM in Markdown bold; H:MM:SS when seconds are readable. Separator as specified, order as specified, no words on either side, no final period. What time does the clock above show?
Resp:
**12:39**
